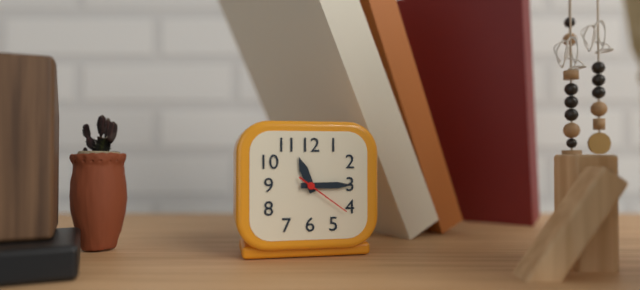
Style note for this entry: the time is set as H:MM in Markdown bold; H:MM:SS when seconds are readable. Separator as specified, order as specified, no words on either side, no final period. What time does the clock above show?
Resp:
**11:15:21**
